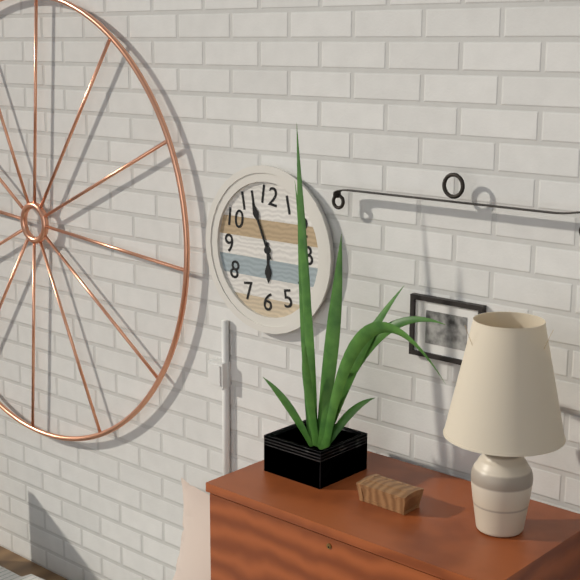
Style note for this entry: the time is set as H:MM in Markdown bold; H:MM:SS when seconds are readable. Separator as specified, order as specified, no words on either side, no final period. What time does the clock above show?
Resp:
**5:56**
